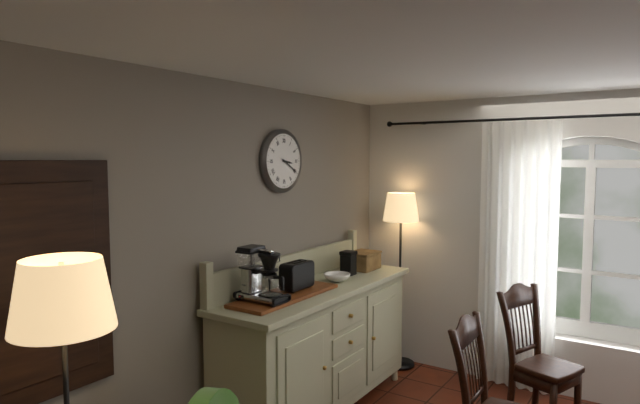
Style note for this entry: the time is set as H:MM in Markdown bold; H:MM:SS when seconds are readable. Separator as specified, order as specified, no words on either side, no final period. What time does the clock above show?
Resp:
**3:20**
